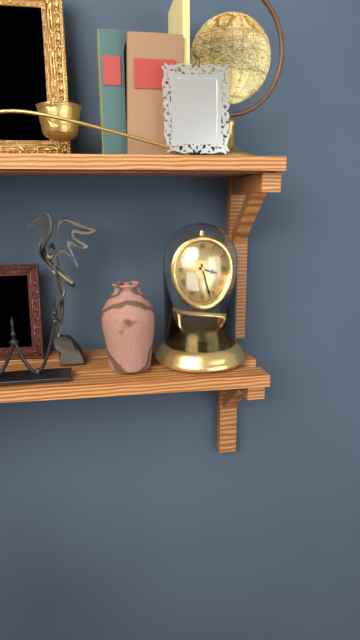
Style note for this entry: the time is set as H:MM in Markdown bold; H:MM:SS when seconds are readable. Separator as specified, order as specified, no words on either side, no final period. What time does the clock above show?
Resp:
**3:27**
